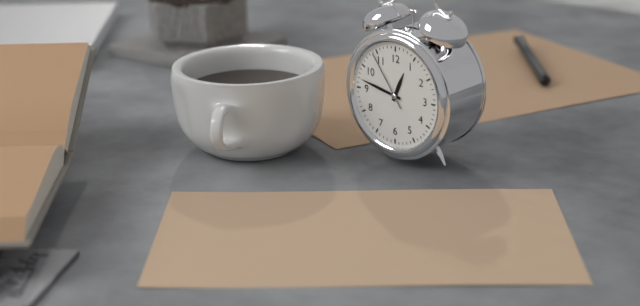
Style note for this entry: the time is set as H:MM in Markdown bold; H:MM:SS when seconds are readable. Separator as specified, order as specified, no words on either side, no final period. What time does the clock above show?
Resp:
**12:47:54**
